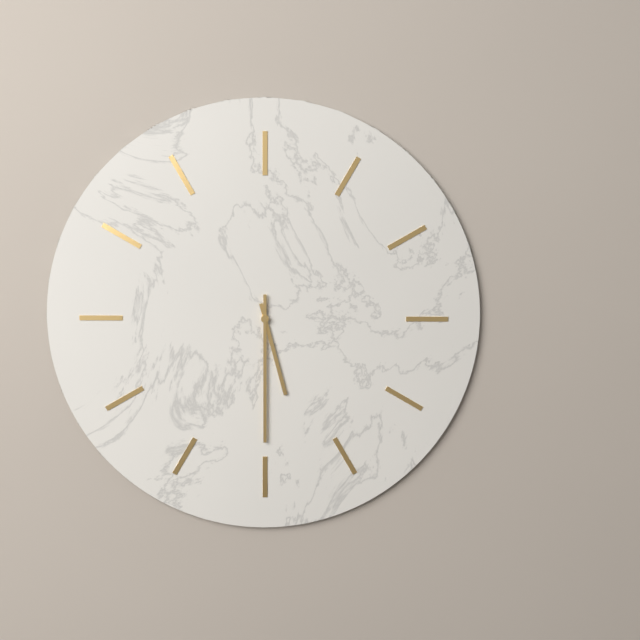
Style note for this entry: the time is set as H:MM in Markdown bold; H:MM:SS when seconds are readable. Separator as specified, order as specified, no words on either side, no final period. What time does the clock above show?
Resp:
**5:30**
